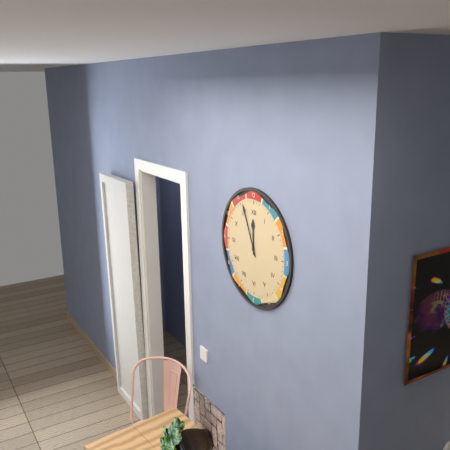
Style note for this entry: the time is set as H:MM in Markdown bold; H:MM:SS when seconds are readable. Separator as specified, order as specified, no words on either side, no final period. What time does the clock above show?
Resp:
**11:56**
